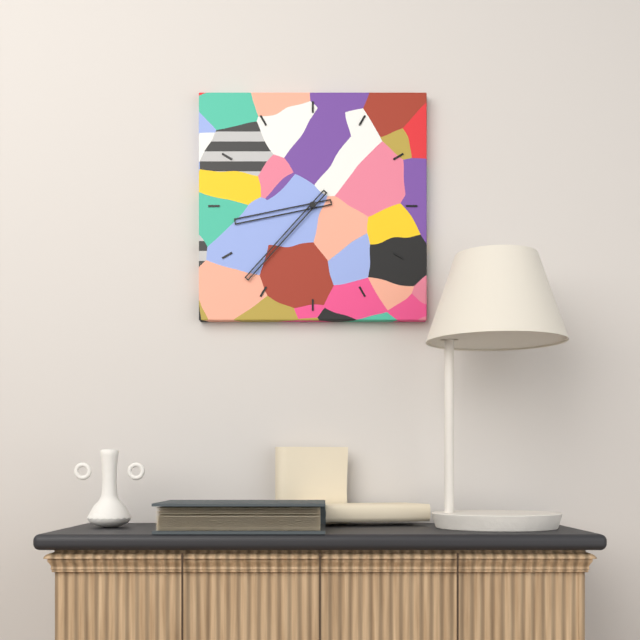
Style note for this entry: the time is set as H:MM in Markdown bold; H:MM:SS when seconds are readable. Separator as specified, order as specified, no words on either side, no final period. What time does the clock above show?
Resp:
**8:37**
